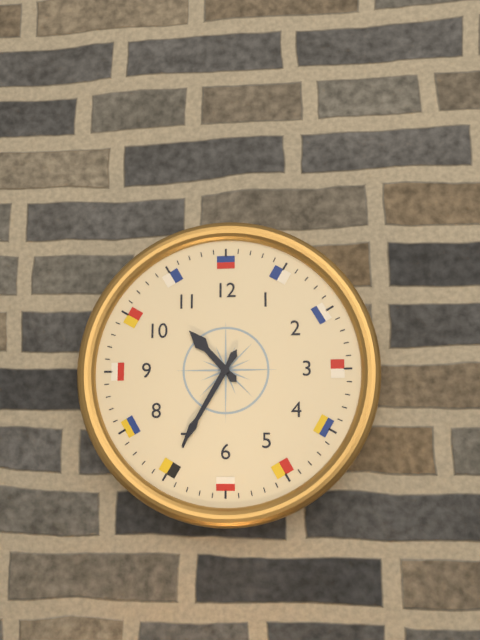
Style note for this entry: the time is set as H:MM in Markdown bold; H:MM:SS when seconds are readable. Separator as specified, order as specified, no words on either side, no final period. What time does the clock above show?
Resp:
**10:35**
